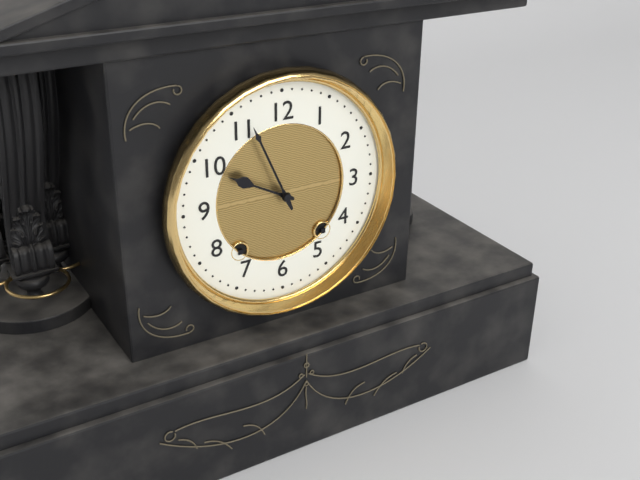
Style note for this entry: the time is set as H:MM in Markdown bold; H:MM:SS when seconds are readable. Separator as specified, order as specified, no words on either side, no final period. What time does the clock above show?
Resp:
**9:56**
